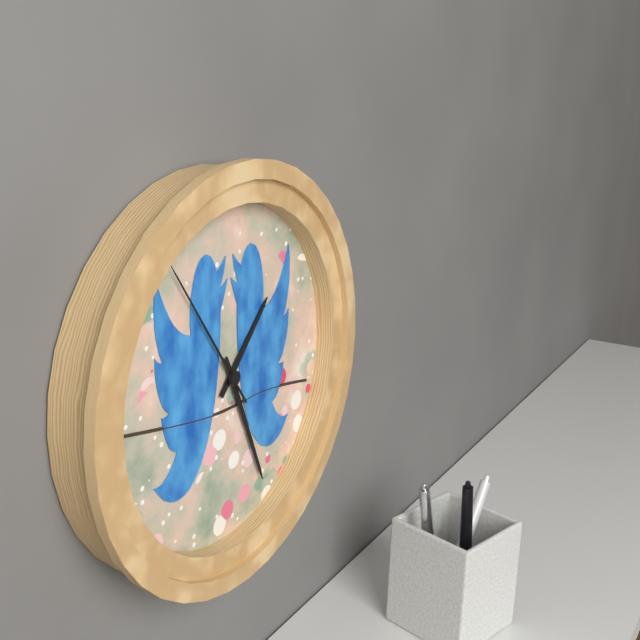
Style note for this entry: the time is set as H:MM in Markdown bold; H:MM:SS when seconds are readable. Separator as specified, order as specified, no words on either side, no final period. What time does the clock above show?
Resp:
**1:26:54**
